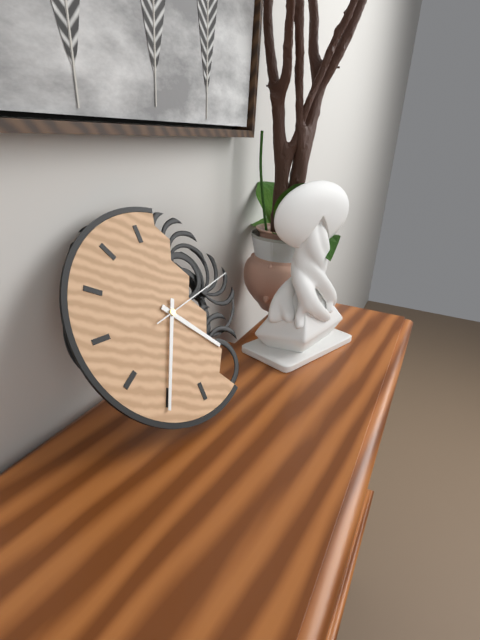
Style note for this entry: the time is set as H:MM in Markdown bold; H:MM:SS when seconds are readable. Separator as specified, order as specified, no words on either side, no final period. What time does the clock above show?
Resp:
**4:35:13**
